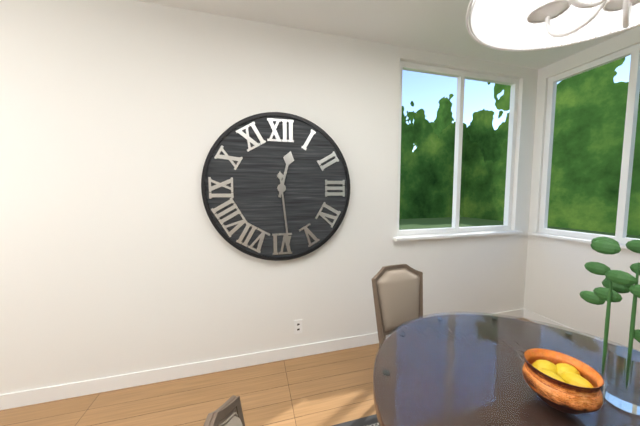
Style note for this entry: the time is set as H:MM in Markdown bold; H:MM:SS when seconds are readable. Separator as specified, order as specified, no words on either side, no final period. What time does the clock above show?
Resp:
**12:29**
